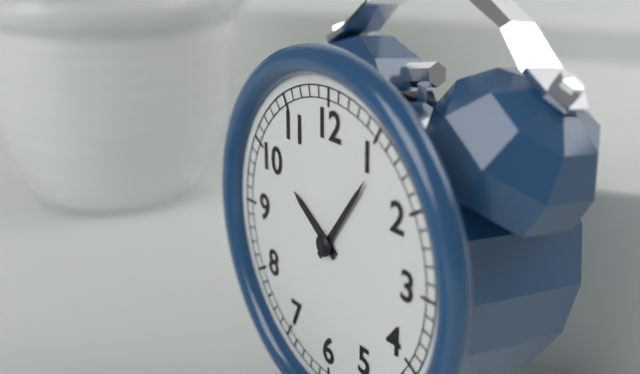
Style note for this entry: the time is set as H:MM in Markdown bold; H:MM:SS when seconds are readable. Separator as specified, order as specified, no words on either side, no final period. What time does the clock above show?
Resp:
**10:06**
